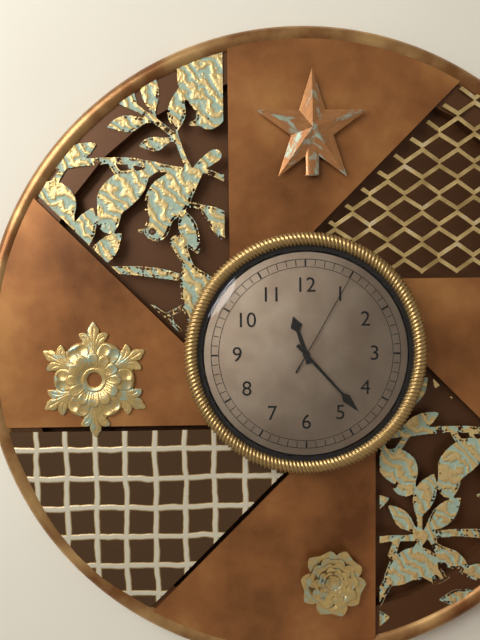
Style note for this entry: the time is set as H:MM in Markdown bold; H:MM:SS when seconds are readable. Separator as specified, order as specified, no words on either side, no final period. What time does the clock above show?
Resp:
**11:23:05**
